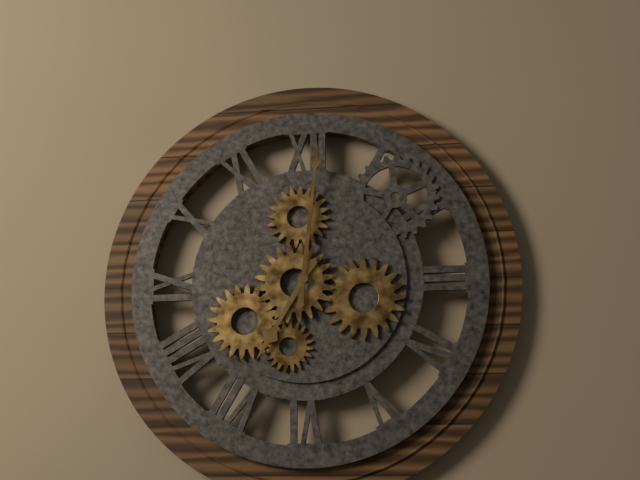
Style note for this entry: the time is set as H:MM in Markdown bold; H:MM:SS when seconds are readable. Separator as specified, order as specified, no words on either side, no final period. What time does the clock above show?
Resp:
**7:01**
